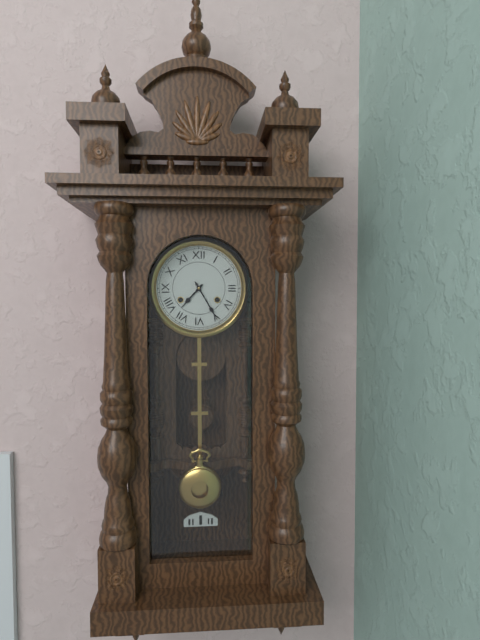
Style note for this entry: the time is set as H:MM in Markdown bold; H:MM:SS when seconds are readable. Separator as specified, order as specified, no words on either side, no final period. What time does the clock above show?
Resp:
**7:25**
